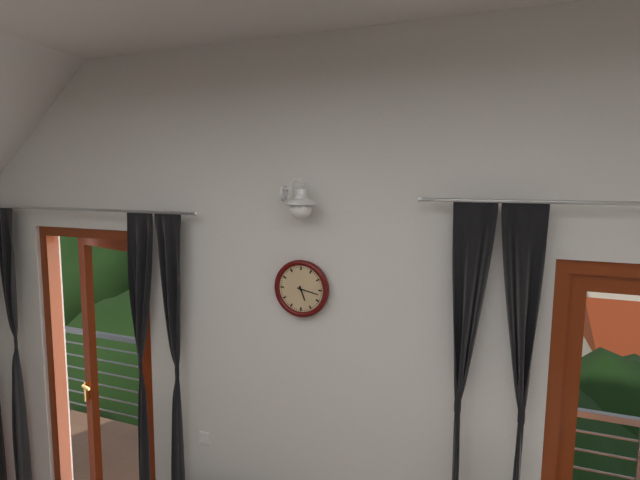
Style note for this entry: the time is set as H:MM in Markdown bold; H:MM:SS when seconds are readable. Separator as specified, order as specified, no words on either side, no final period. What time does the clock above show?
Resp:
**5:17**
